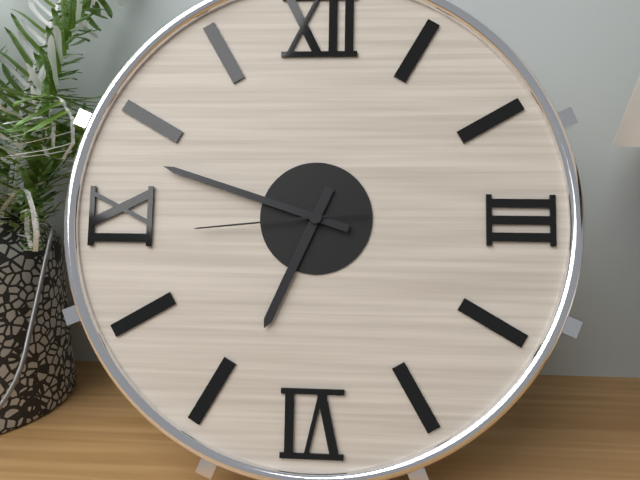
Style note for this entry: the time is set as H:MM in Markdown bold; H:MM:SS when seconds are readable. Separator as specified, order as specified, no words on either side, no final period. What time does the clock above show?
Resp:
**6:48:44**
